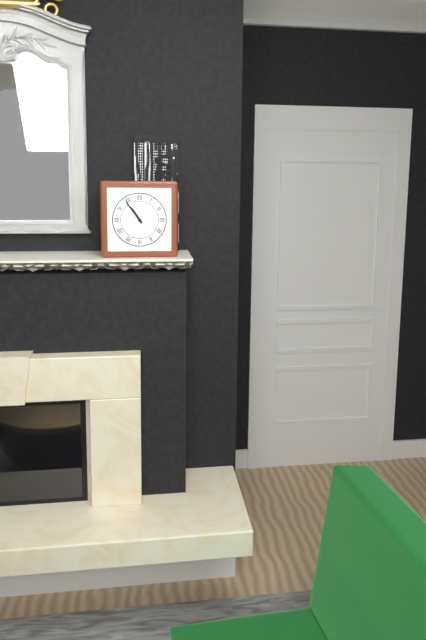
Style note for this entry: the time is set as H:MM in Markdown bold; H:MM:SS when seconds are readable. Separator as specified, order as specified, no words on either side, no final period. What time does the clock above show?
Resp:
**10:54**
